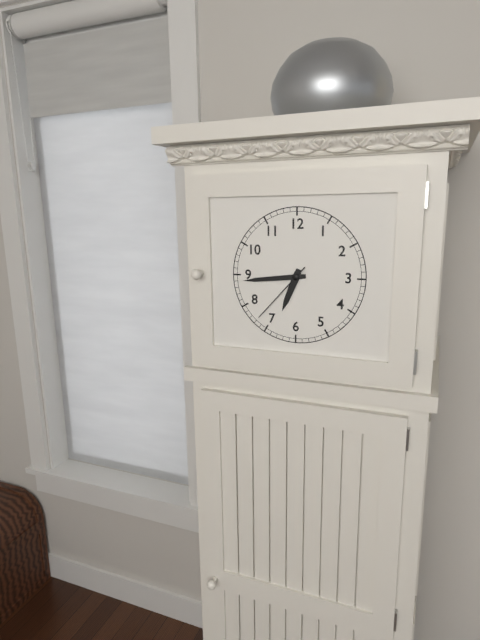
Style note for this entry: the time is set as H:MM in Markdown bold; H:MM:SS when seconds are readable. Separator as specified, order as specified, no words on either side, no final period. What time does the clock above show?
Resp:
**6:44:37**
